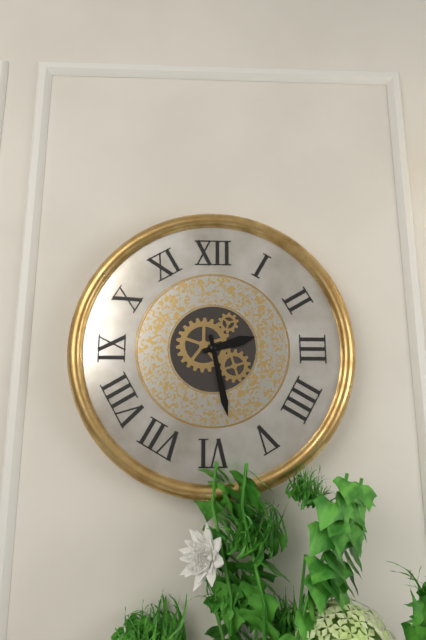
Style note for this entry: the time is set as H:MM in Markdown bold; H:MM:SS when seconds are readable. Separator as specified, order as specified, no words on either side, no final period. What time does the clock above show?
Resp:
**2:28**
